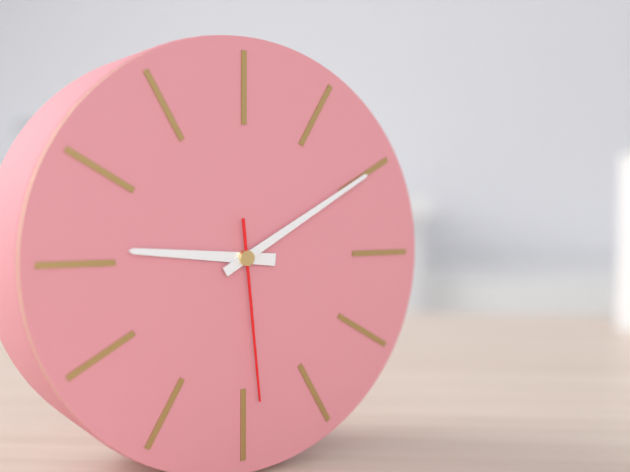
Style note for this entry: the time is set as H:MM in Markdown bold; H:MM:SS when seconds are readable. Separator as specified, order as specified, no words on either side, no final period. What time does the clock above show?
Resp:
**9:10:29**
